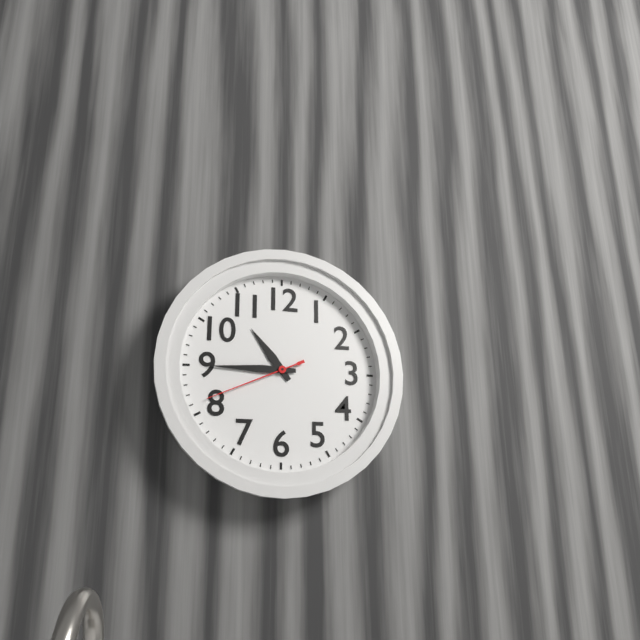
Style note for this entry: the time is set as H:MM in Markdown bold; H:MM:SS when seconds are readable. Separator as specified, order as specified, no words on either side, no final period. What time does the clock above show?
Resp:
**10:45:41**
